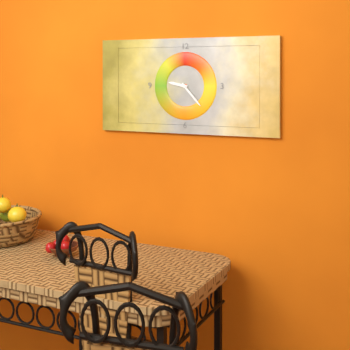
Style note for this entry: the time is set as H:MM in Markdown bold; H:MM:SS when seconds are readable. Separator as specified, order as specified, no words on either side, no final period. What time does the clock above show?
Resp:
**9:23**
